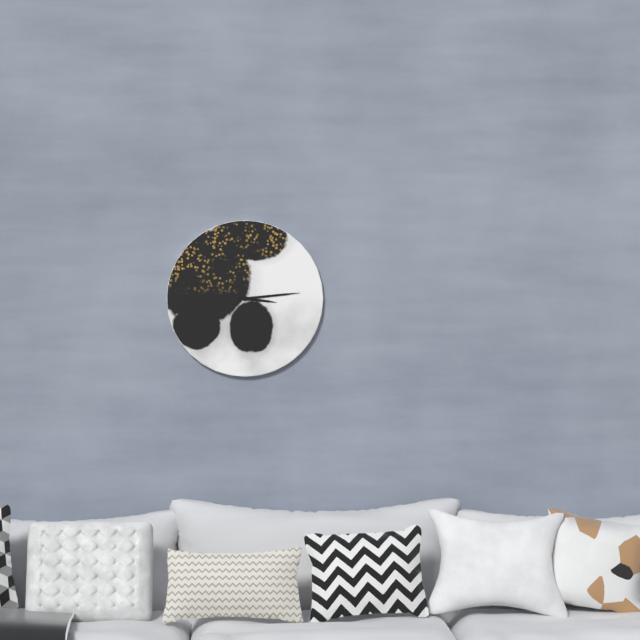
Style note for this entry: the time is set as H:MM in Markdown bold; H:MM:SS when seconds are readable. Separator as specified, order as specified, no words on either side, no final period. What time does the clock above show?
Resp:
**3:14**
